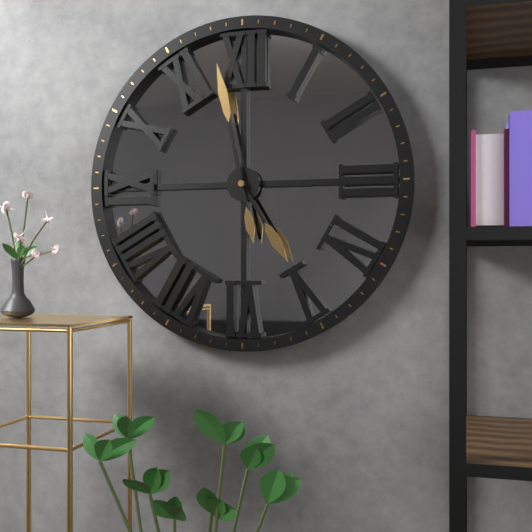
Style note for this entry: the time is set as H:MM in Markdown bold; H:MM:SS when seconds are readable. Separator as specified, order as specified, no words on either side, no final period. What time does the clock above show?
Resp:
**4:58**
